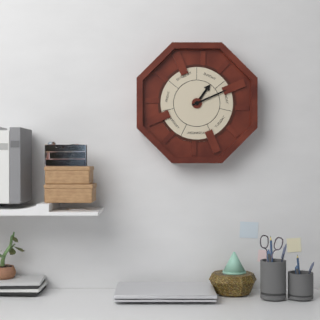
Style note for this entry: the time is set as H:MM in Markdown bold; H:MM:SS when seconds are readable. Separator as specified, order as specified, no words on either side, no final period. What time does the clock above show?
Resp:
**1:11**
